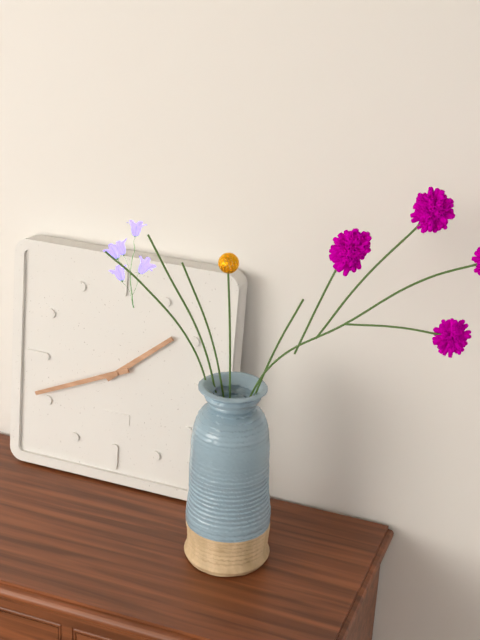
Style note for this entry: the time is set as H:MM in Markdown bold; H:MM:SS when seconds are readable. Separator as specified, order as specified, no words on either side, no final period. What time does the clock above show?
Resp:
**1:41**
